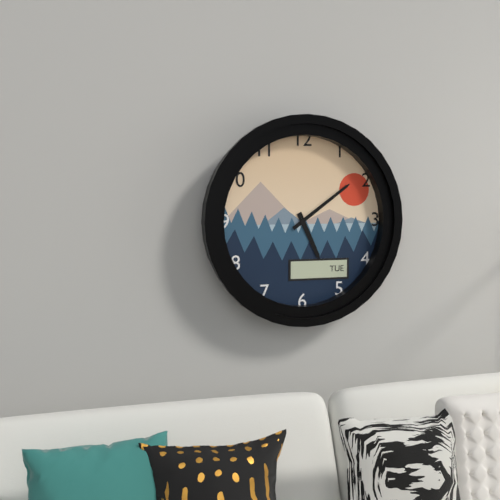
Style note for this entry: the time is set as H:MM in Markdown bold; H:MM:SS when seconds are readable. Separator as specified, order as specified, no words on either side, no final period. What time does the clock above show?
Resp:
**5:09**
